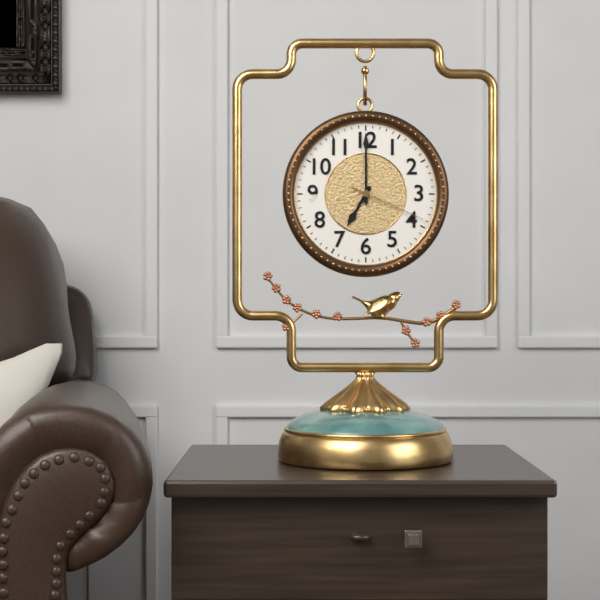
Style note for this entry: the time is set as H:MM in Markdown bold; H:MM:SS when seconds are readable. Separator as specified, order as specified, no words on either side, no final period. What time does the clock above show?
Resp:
**7:00:19**
